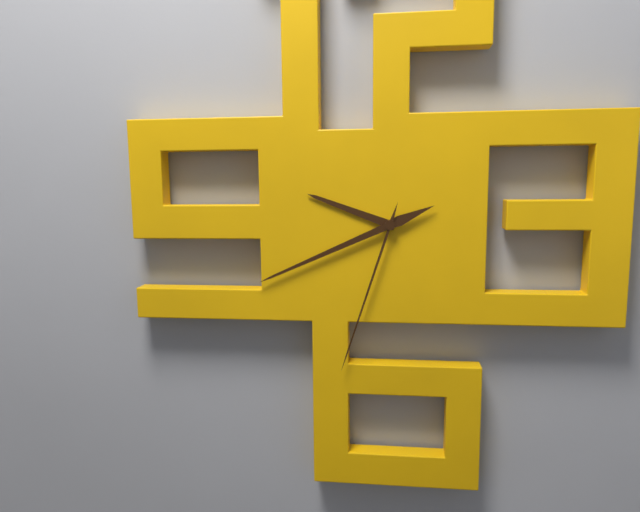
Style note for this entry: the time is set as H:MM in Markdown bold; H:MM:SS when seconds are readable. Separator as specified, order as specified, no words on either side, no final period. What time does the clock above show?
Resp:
**9:41:33**
